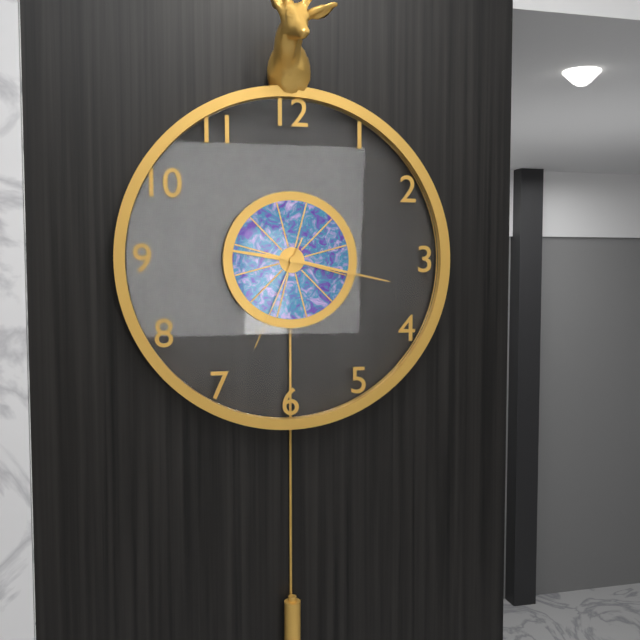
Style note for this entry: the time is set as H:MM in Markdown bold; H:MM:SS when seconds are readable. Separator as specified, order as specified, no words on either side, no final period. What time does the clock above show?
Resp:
**9:17:34**
